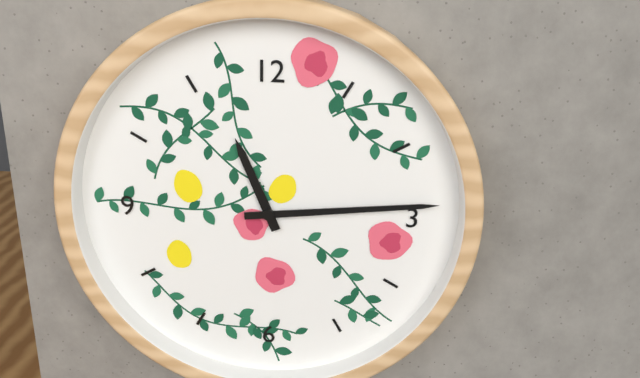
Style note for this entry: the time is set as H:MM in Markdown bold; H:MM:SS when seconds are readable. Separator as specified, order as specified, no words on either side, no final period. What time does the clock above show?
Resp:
**11:14**
